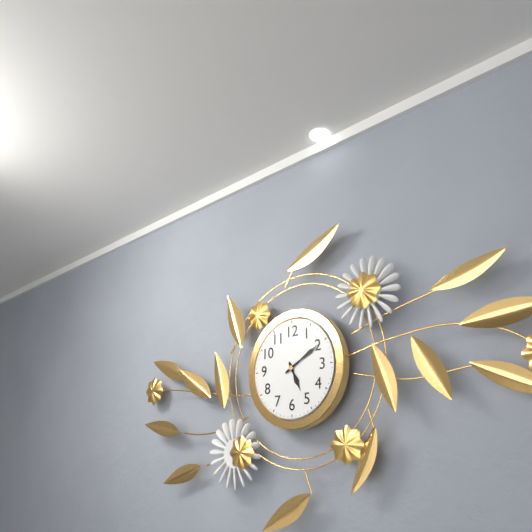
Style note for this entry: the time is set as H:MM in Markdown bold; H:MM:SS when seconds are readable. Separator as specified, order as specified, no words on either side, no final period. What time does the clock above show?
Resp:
**5:10**
